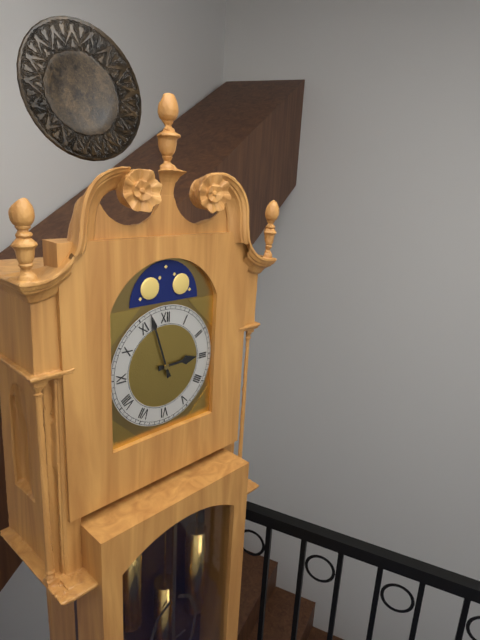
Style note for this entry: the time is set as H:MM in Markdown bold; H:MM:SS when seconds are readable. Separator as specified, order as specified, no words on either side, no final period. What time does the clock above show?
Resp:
**2:57**
